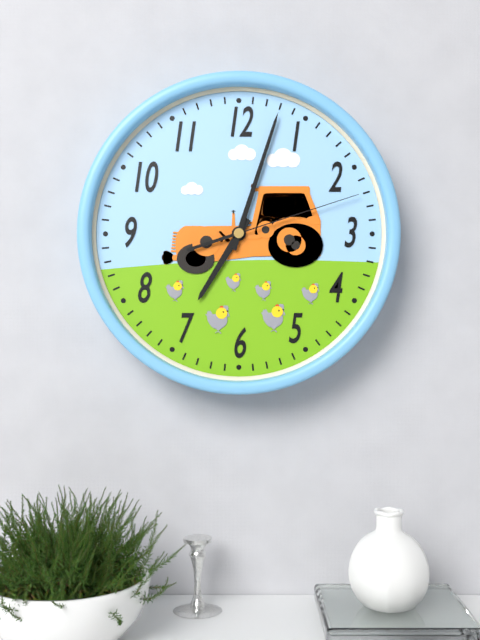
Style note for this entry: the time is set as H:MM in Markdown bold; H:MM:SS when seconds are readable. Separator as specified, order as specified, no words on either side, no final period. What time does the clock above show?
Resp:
**7:03:12**
